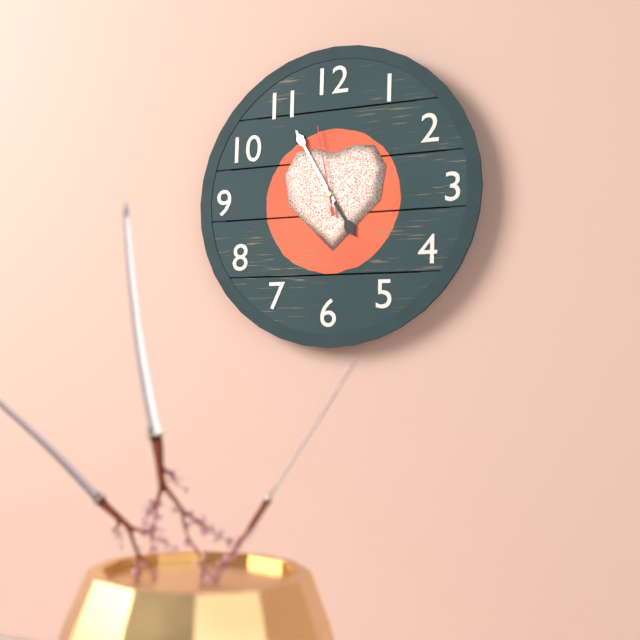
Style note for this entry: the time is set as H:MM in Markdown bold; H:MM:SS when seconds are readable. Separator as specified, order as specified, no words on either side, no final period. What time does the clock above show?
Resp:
**4:55:58**
